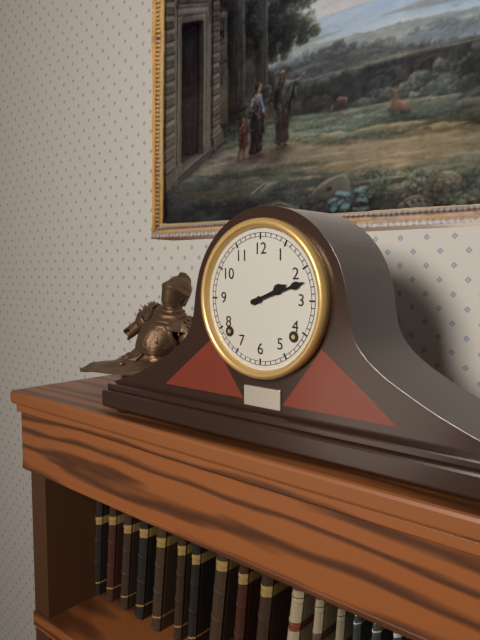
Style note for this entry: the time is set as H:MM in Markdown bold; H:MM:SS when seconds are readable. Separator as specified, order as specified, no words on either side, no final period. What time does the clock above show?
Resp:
**2:12**
